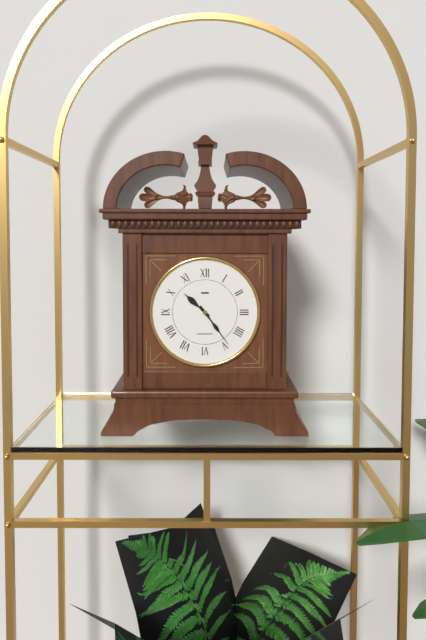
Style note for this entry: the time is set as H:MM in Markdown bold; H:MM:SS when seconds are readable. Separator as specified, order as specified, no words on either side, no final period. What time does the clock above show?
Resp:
**10:24**
